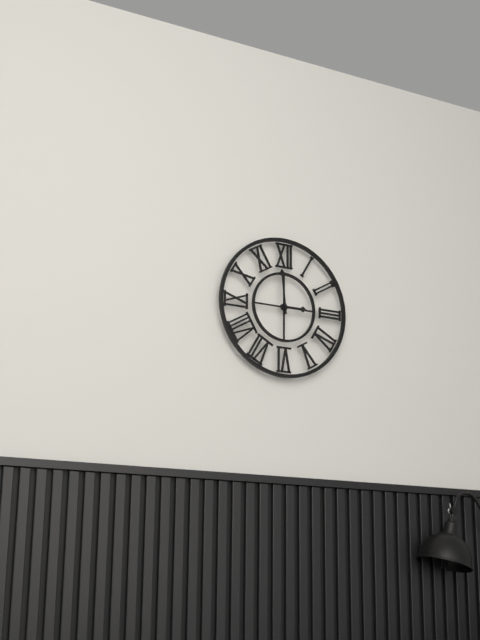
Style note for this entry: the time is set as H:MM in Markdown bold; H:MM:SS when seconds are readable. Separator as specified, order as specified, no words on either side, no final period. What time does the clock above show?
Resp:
**2:59**
